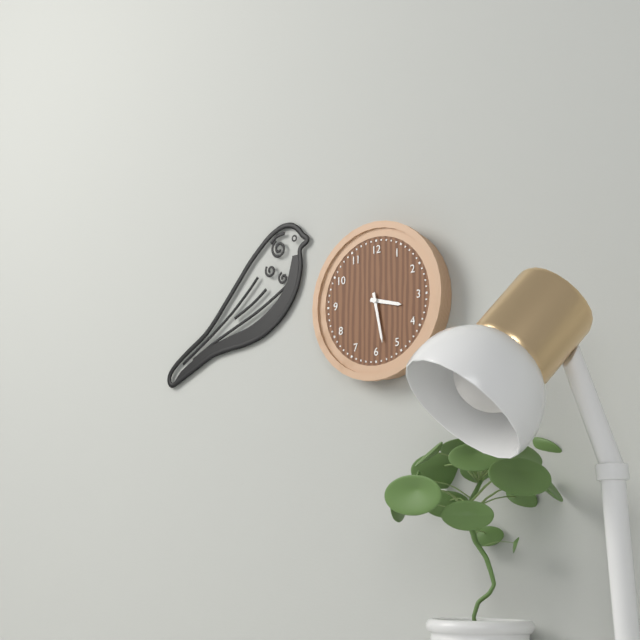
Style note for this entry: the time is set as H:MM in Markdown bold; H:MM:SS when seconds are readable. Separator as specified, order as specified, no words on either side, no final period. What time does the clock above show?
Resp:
**3:28**
